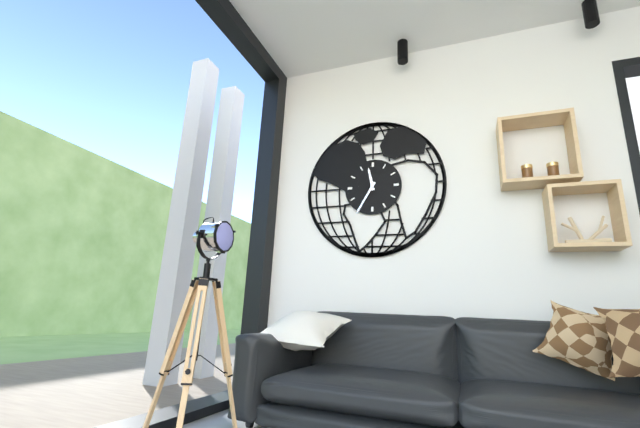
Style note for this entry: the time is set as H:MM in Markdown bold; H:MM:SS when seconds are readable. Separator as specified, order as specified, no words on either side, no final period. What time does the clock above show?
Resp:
**11:35**
